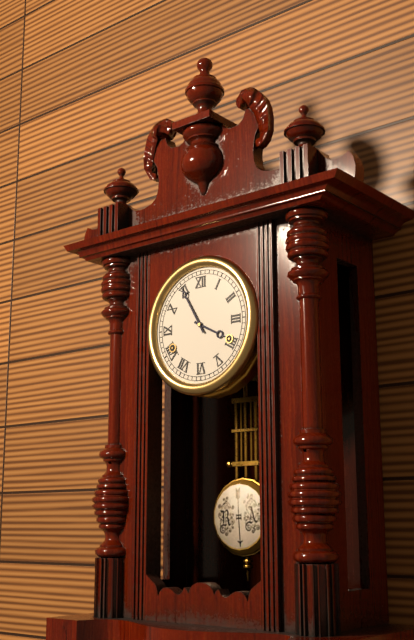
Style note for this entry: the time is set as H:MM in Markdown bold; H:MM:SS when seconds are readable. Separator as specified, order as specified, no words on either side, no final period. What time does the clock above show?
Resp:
**3:55**
